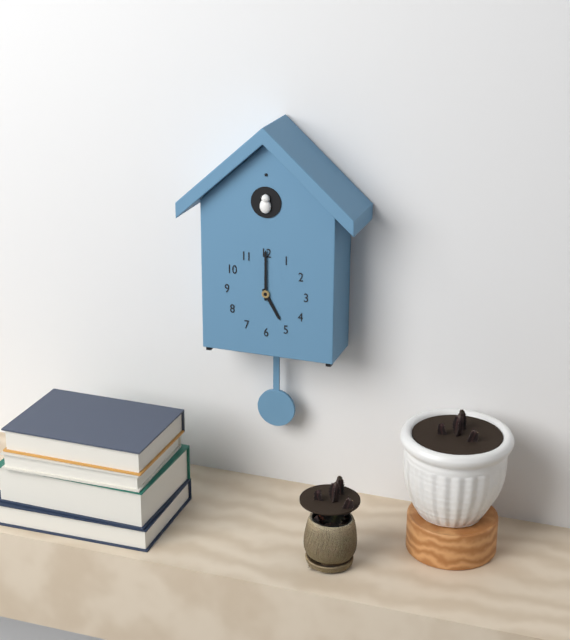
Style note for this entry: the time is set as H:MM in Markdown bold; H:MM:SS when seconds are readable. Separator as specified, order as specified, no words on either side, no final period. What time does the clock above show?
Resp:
**5:00**
